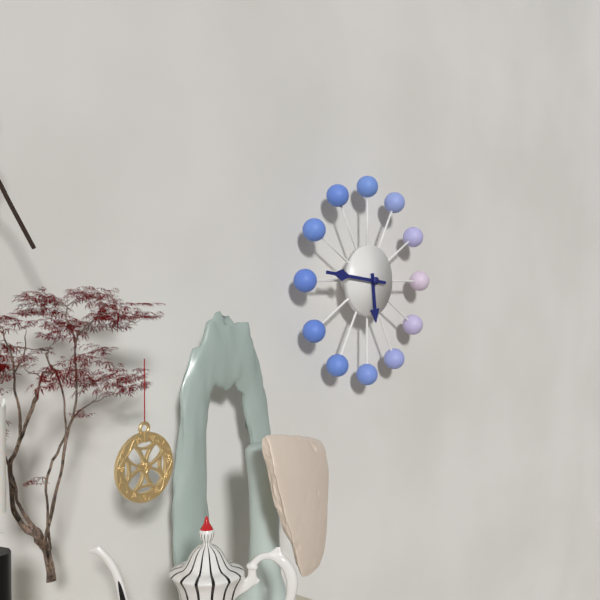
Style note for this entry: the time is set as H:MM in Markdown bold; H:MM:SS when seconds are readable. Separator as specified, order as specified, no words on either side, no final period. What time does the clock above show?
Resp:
**5:46**
